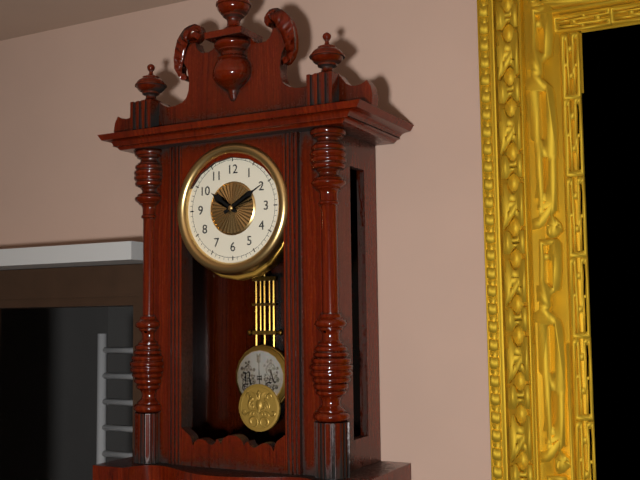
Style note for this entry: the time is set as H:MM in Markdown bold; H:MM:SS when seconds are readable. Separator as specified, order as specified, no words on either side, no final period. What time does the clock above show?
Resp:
**10:10**
